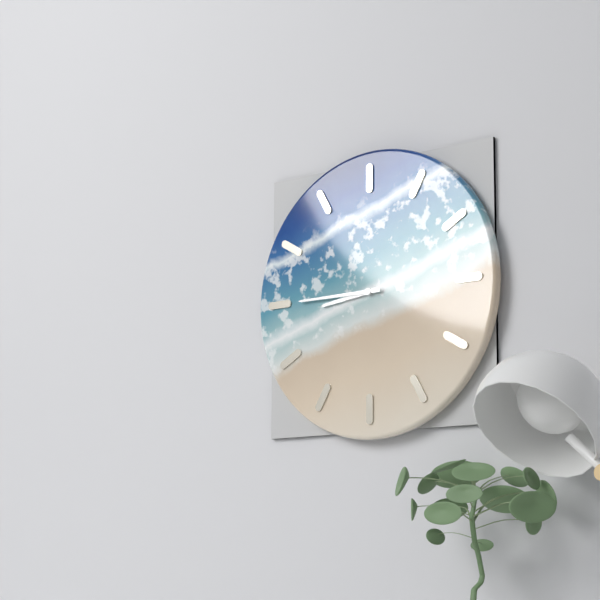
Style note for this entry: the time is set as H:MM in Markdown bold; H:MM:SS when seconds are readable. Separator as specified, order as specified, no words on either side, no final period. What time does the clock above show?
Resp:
**8:45**
